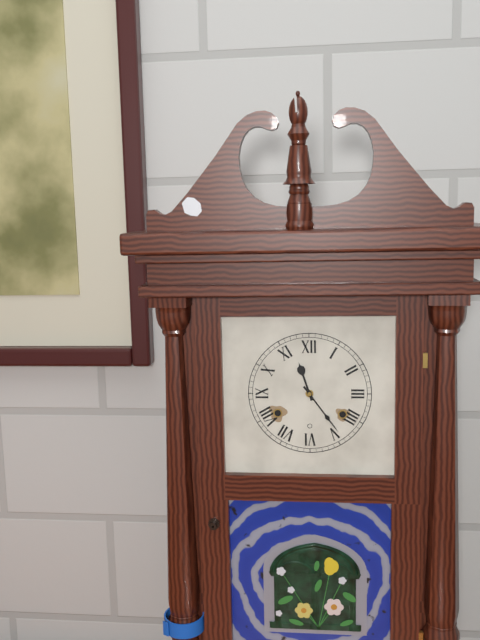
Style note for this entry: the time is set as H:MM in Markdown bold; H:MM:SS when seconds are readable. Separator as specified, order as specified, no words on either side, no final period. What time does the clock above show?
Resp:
**11:24**
